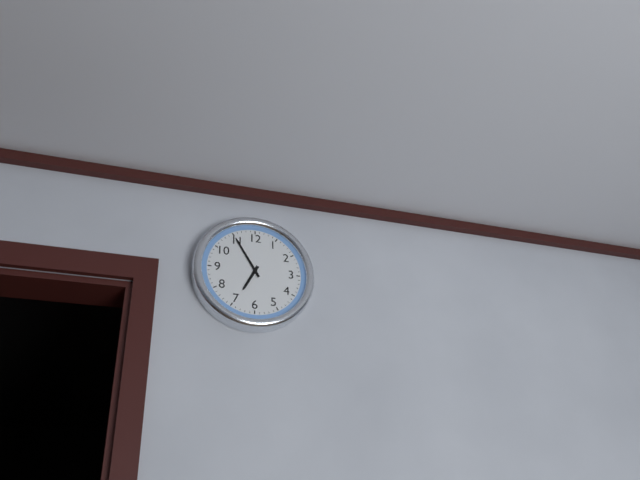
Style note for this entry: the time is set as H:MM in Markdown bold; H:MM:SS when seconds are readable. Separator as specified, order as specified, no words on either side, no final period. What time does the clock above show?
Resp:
**6:55**
